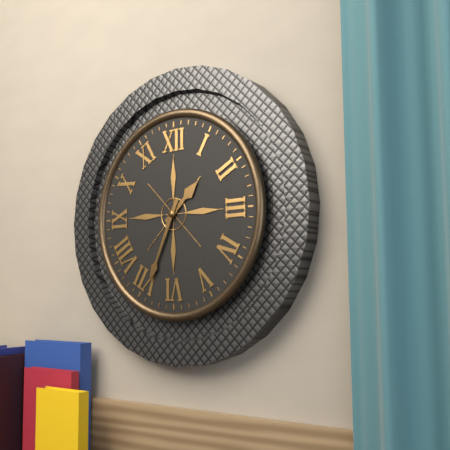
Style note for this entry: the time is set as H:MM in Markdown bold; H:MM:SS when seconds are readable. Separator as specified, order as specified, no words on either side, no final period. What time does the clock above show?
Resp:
**1:34**
